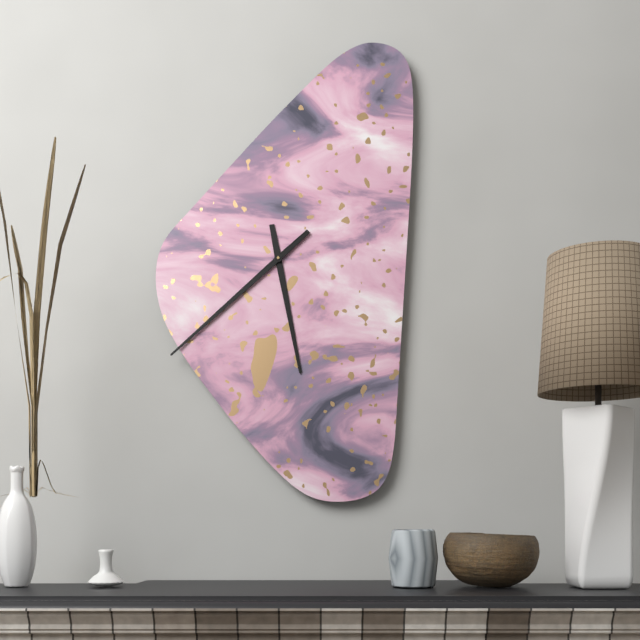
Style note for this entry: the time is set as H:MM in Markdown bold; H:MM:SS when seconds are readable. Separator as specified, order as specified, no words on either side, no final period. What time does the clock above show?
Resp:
**5:38**
